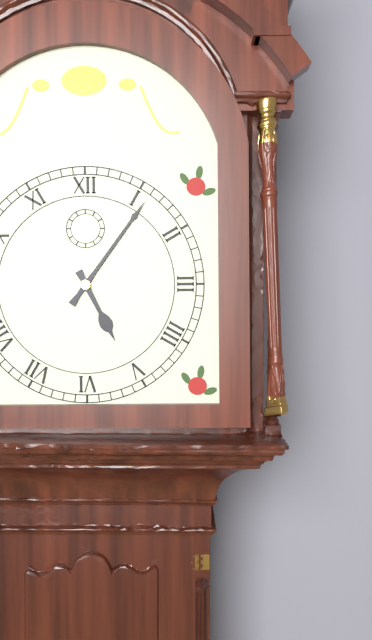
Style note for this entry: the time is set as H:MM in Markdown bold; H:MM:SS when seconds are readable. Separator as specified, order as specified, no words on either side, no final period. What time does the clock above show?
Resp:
**5:06**
